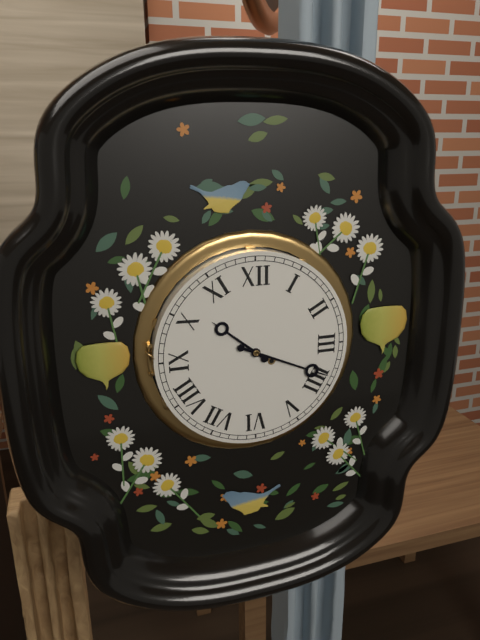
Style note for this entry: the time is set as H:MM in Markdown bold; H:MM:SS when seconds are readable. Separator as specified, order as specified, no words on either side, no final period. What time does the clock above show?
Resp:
**10:19**
